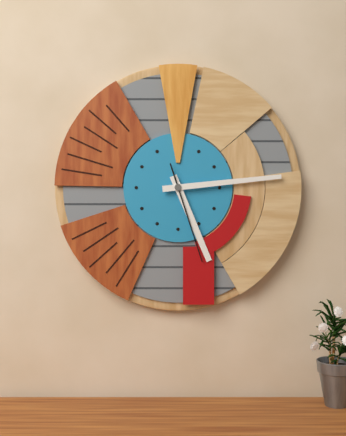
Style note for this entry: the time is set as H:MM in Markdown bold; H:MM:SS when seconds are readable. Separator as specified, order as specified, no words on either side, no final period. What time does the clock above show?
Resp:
**5:14:27**
